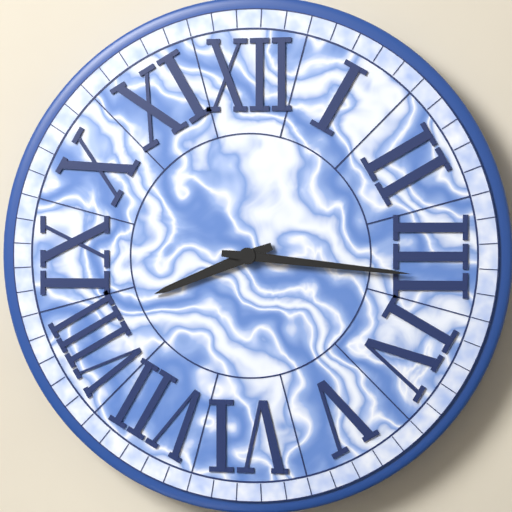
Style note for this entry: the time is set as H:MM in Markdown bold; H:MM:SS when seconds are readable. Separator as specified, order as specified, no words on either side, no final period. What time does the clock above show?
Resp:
**8:16**
